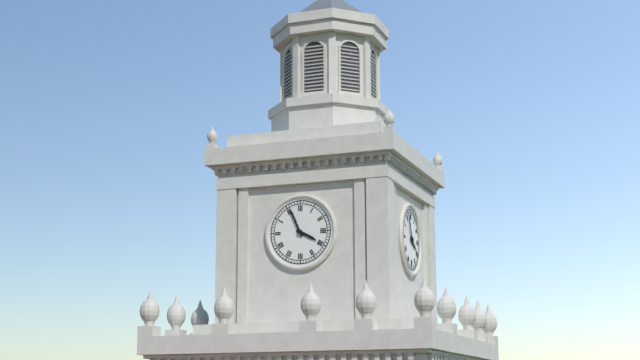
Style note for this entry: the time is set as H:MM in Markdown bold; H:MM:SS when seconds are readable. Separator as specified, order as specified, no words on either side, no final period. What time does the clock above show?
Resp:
**3:56**
